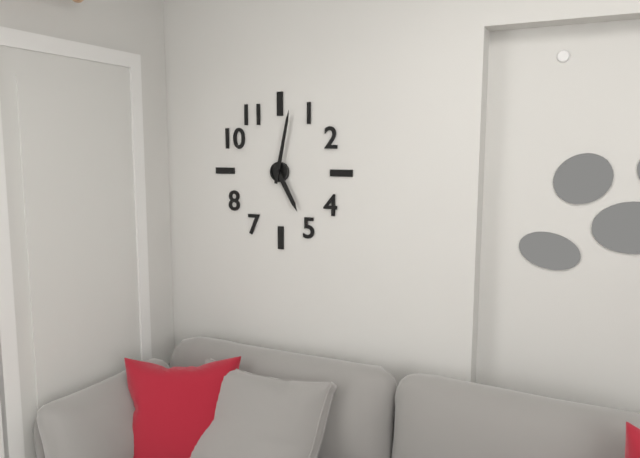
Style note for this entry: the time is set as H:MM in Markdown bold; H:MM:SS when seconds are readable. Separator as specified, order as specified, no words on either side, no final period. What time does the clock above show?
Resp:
**5:02**
